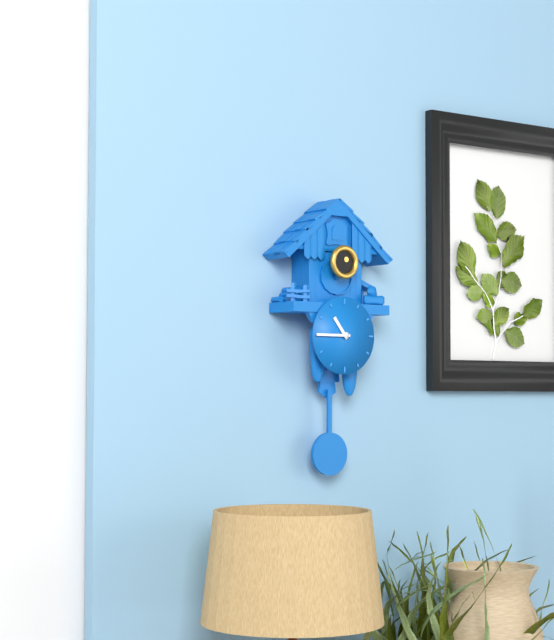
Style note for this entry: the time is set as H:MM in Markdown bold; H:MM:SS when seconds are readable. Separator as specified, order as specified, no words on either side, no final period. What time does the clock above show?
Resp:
**10:45**
